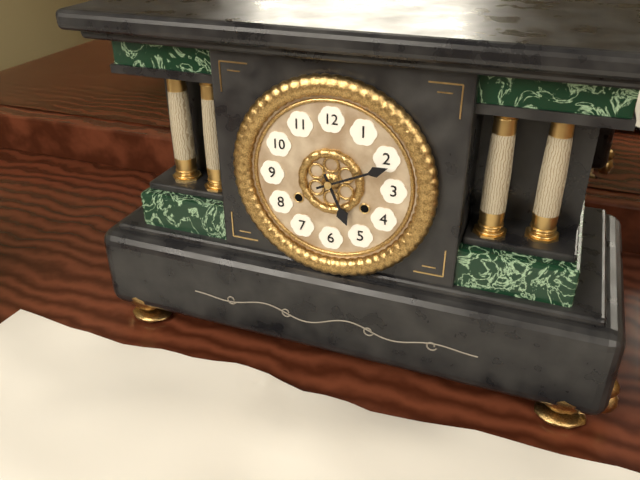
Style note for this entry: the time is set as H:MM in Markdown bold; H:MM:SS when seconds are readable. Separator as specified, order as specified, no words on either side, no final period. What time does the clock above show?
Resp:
**5:11**
